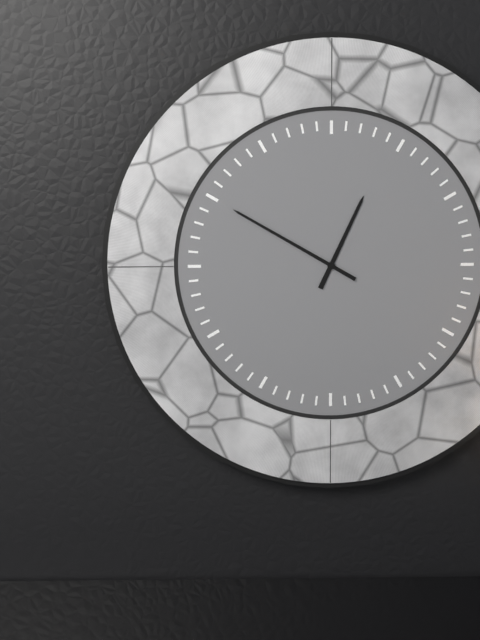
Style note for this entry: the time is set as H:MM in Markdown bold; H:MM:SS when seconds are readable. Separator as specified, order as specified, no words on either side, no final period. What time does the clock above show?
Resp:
**12:50**
